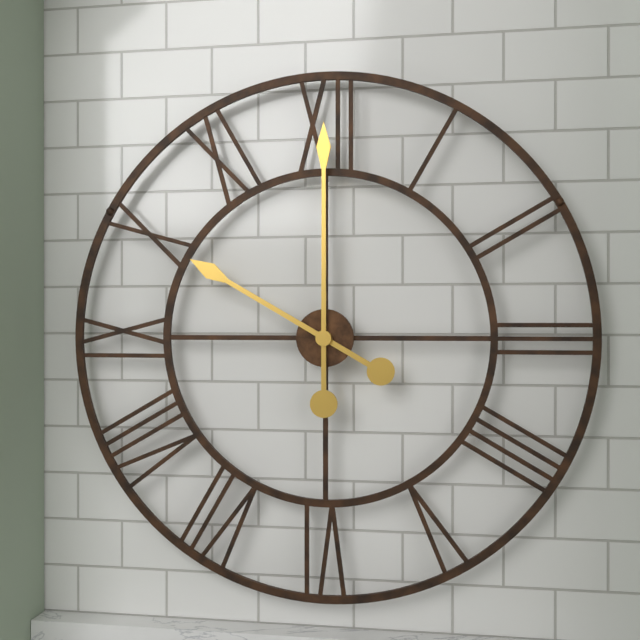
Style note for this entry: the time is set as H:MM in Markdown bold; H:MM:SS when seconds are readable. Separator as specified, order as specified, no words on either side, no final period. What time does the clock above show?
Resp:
**10:00**
